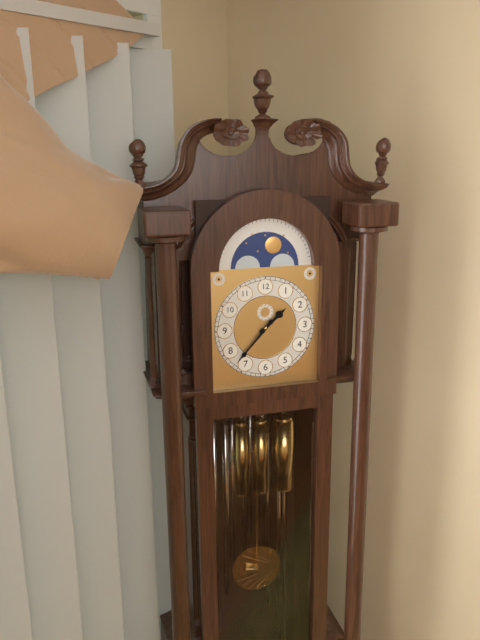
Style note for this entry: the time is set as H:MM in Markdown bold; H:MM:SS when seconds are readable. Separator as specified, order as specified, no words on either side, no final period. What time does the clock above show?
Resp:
**1:37**
